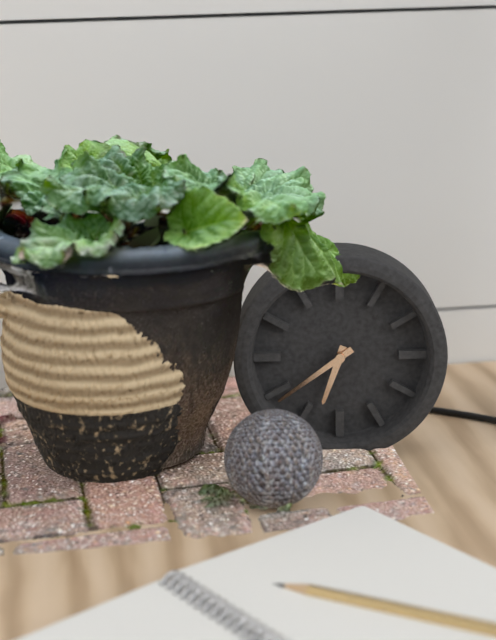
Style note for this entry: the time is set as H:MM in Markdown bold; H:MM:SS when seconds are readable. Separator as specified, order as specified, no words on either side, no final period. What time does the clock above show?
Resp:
**6:39**
